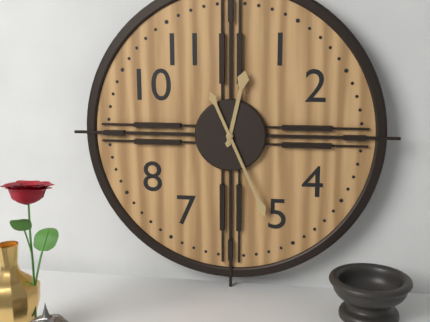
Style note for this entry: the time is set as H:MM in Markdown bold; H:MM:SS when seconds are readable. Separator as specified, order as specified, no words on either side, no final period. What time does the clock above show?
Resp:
**12:26**
